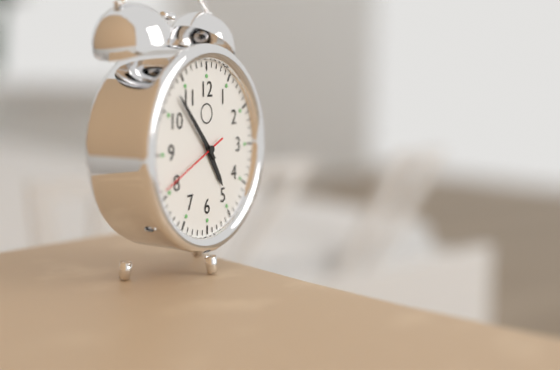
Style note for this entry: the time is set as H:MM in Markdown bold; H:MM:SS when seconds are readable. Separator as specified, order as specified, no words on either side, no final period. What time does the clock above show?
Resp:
**4:53:41**
